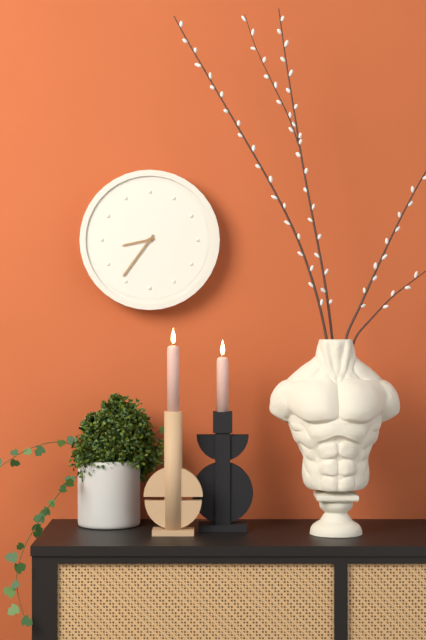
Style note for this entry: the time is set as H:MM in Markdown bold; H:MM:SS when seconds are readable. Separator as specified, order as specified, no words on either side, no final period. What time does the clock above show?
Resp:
**8:36**
